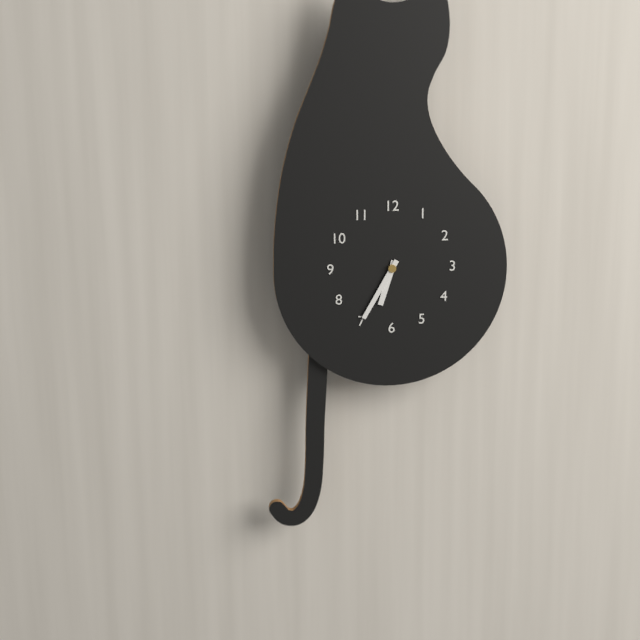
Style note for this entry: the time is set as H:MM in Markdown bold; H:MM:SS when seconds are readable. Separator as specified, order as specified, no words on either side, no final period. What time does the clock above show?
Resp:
**6:35**
